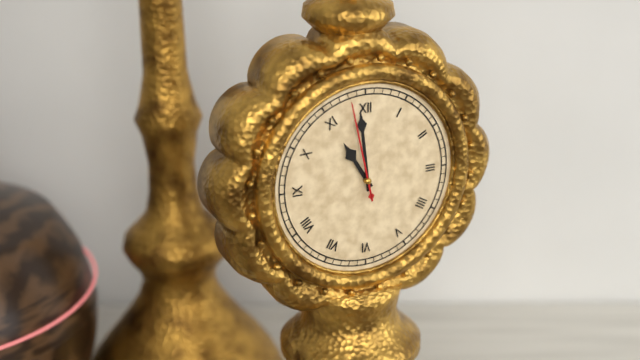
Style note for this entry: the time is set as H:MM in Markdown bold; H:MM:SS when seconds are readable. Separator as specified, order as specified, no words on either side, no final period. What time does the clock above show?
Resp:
**10:59:58**
